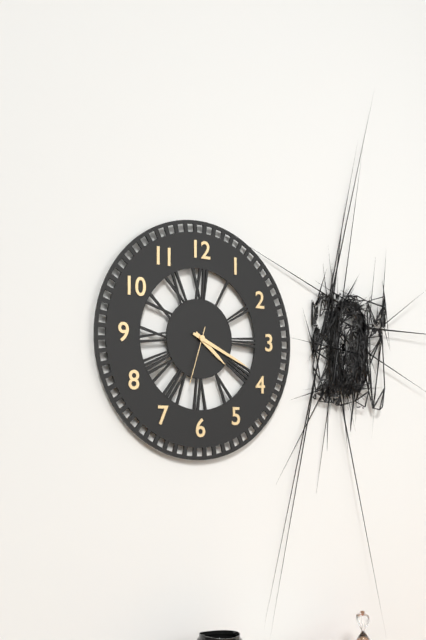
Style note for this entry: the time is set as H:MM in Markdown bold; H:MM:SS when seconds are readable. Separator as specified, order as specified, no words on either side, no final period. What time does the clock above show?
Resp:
**4:19:33**
